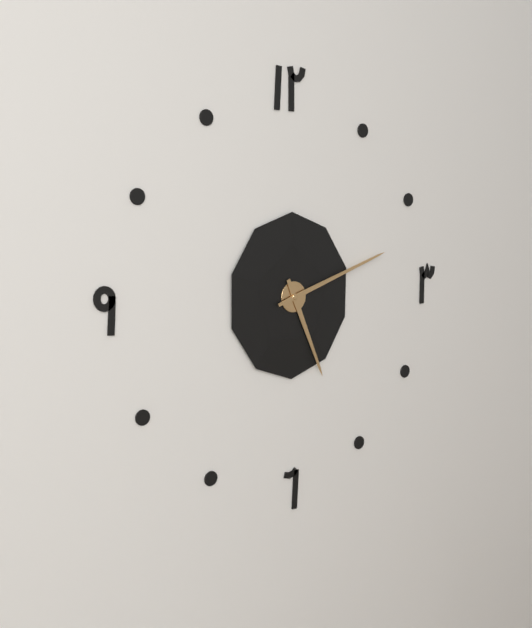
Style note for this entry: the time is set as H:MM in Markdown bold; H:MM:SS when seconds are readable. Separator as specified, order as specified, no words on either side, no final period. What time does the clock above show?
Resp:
**5:12**
